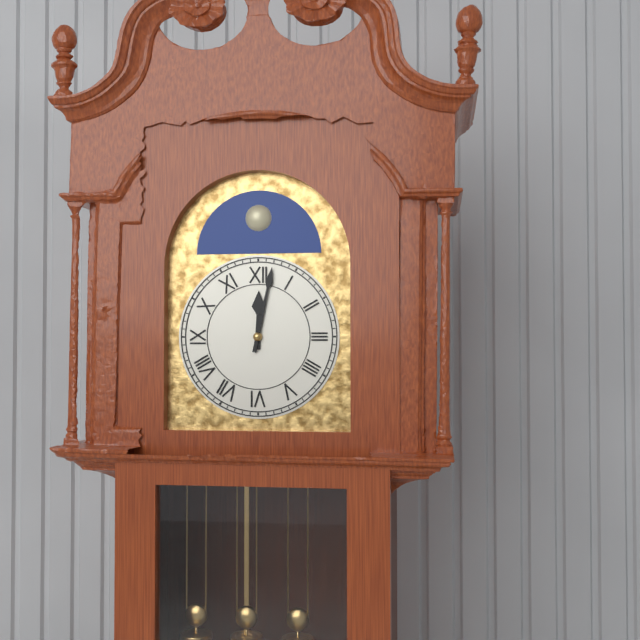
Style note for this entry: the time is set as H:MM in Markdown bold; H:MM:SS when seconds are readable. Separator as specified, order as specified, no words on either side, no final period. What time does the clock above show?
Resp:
**12:02**
